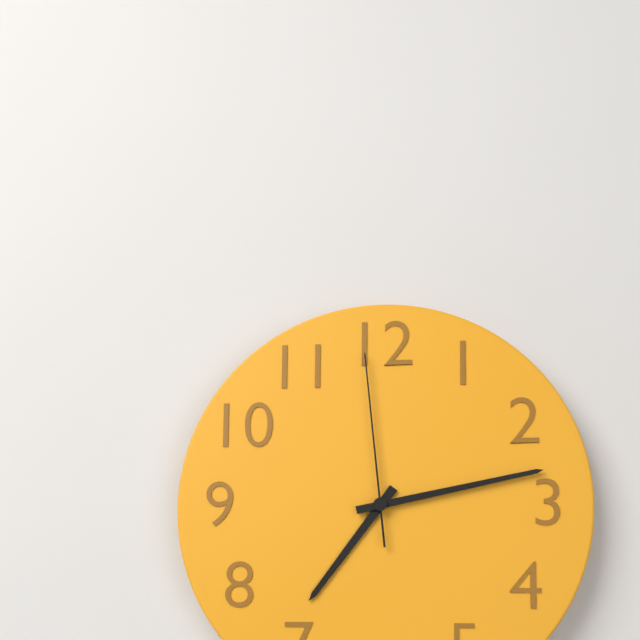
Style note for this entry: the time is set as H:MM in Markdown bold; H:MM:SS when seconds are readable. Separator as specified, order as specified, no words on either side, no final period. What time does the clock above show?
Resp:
**7:13:59**
